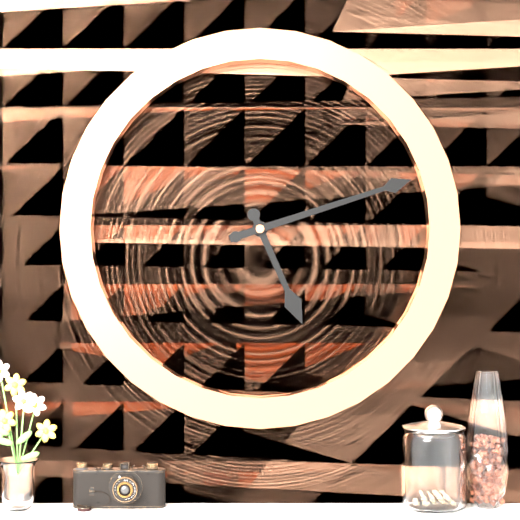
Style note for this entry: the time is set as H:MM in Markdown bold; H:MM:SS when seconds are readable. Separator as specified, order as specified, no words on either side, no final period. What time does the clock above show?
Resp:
**5:12**
